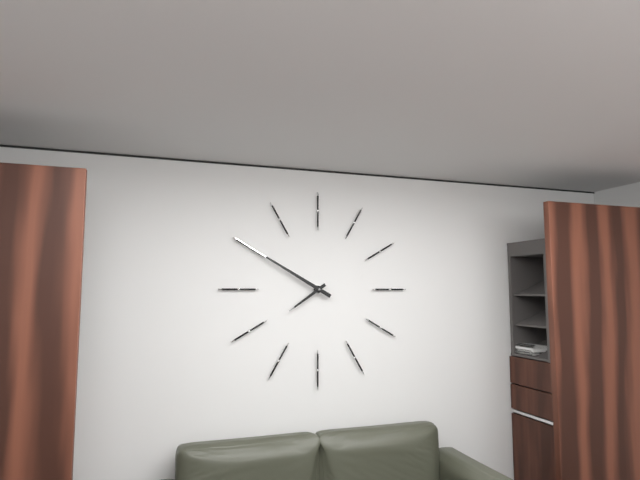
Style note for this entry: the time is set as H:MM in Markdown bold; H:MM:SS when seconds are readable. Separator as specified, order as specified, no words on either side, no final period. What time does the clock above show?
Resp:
**7:50**
